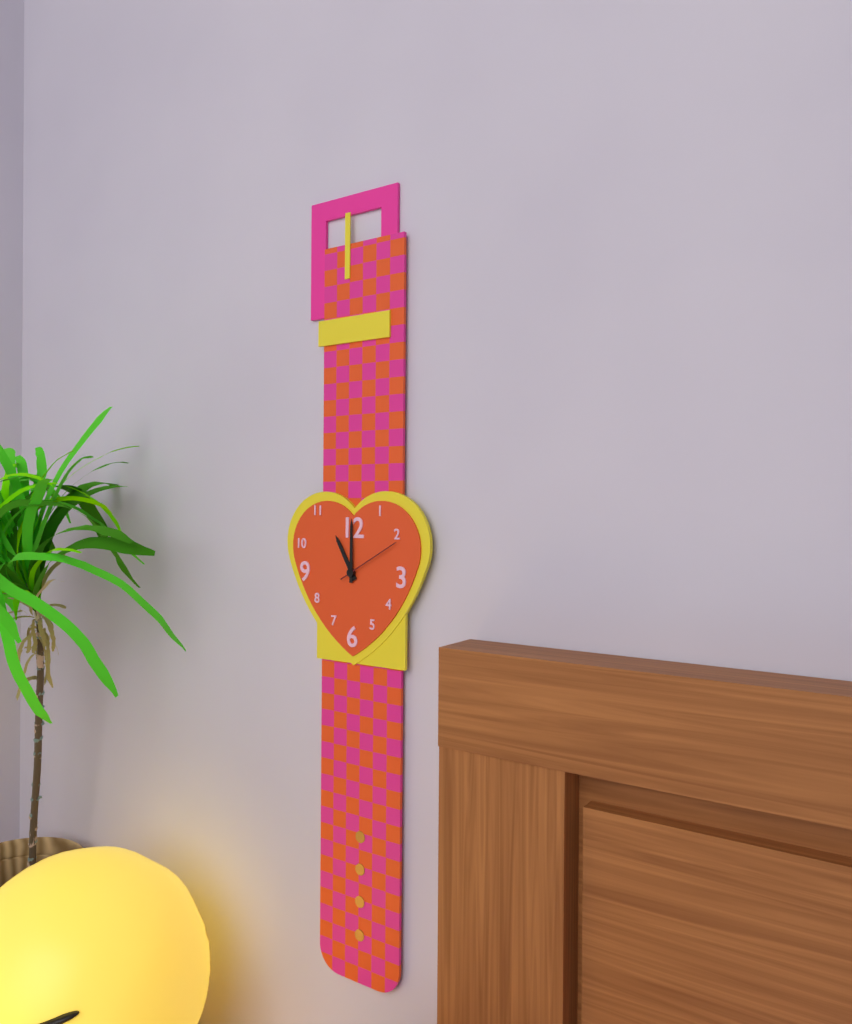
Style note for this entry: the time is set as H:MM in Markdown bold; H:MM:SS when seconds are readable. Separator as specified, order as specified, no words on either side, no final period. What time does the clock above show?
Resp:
**11:00:10**
